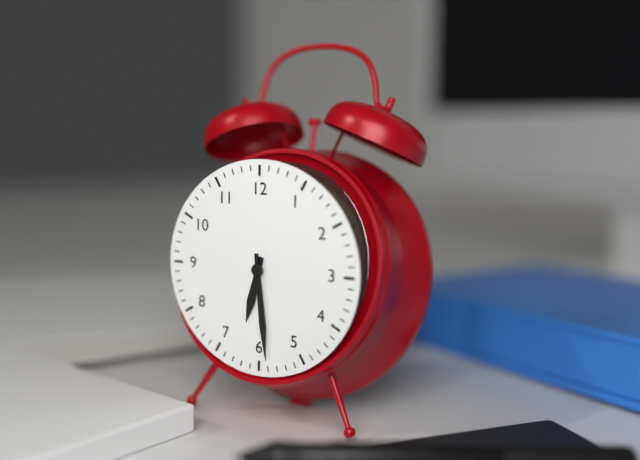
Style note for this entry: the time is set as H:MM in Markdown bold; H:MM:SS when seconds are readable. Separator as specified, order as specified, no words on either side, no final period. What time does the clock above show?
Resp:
**6:29**
